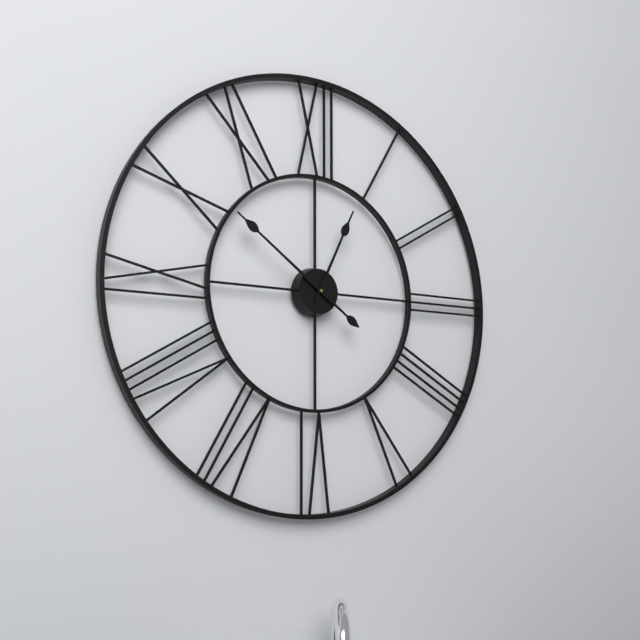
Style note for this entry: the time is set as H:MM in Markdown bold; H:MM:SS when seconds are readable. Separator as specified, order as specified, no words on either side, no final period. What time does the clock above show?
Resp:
**12:51**
